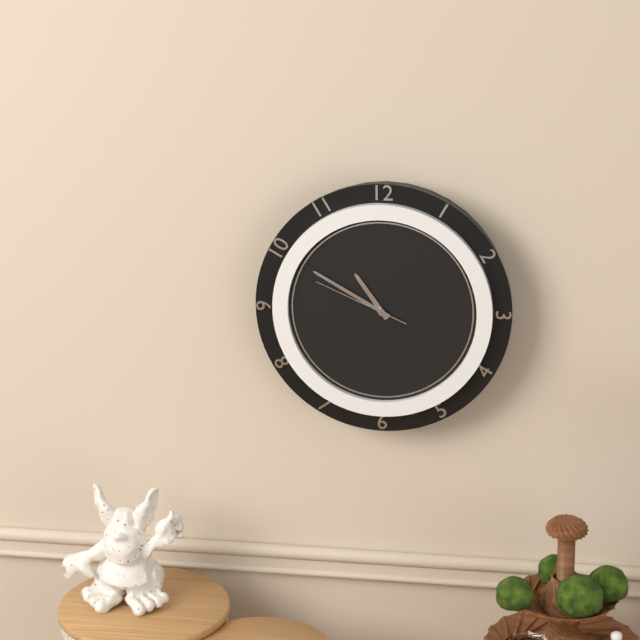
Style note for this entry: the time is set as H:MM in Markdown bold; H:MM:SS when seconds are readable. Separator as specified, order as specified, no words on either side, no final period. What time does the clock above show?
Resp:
**10:50:49**
